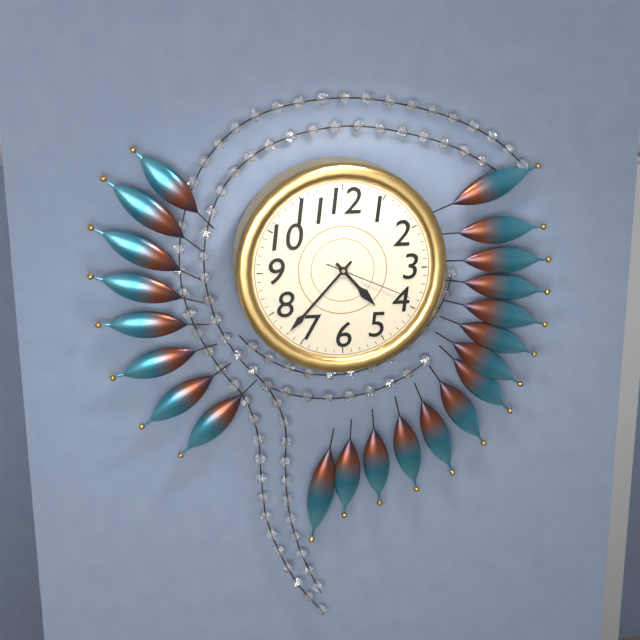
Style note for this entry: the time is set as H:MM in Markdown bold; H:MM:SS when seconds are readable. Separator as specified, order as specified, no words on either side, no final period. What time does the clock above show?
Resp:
**4:37:19**
